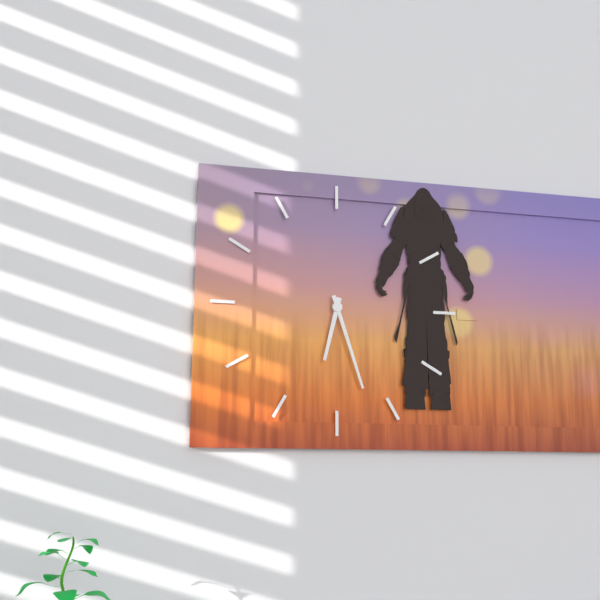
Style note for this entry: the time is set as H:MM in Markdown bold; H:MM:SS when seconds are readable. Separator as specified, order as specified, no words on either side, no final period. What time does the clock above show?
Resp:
**6:27**
